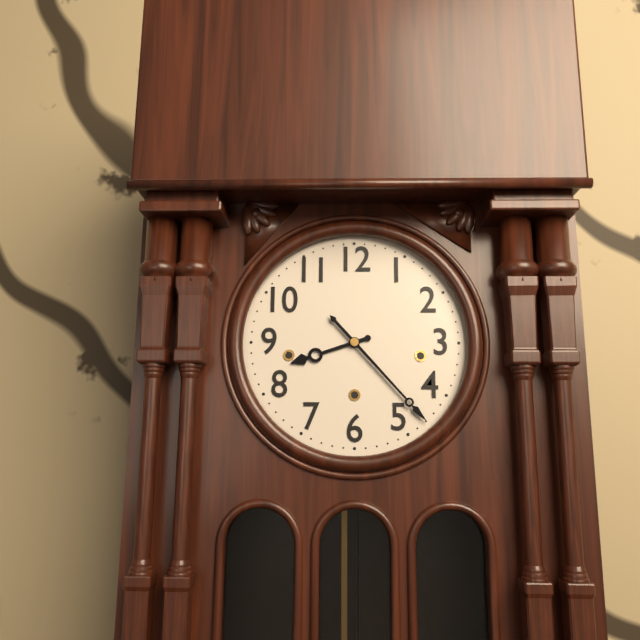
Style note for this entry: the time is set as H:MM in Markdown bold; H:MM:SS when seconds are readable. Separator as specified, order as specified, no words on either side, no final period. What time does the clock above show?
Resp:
**8:23**
